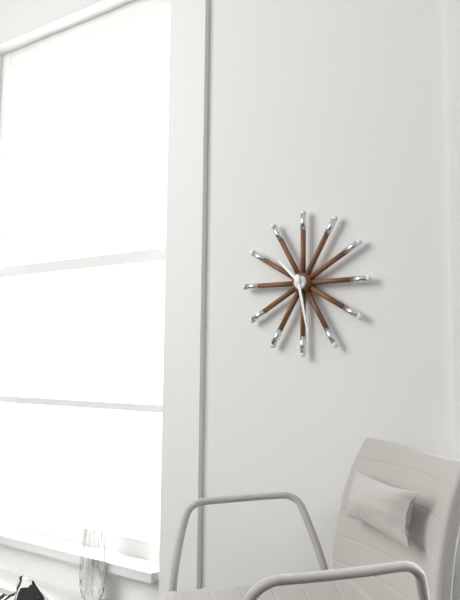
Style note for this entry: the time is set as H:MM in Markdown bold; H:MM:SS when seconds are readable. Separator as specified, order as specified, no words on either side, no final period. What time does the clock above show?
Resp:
**10:28**
